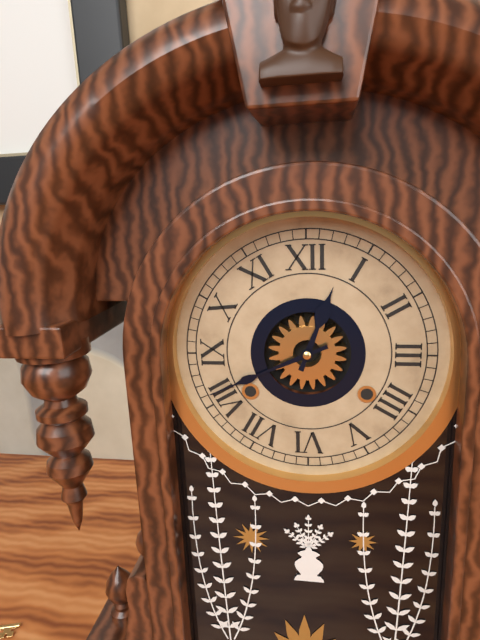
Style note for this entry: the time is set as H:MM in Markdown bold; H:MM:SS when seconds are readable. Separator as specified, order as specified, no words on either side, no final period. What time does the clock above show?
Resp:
**12:41**
